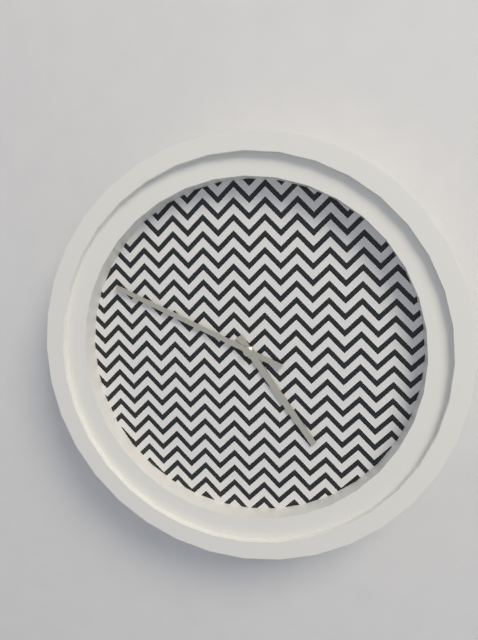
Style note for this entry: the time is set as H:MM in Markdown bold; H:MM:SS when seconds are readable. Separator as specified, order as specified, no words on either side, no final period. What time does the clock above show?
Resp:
**4:49**
